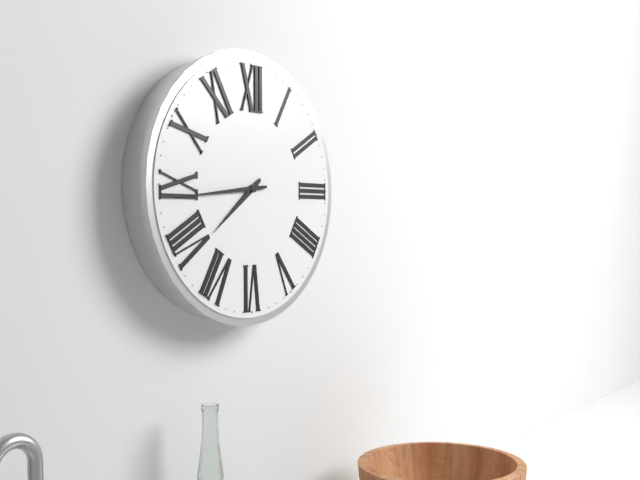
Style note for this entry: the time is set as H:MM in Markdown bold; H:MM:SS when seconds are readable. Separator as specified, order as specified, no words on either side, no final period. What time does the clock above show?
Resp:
**7:44**
